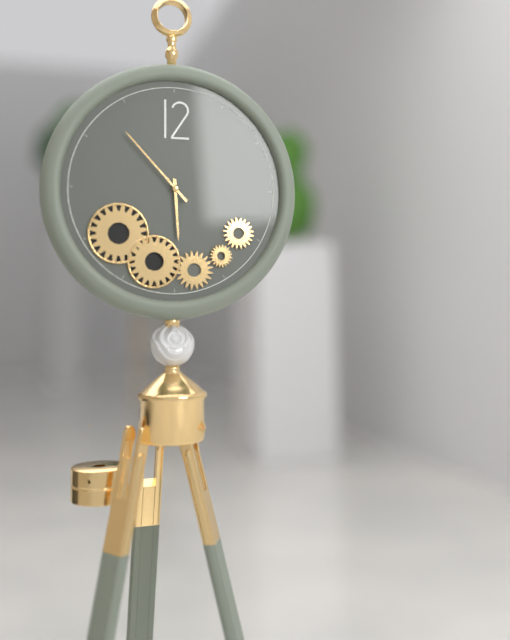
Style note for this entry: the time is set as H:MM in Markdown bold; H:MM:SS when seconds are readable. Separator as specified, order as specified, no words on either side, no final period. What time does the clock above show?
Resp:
**5:53**
